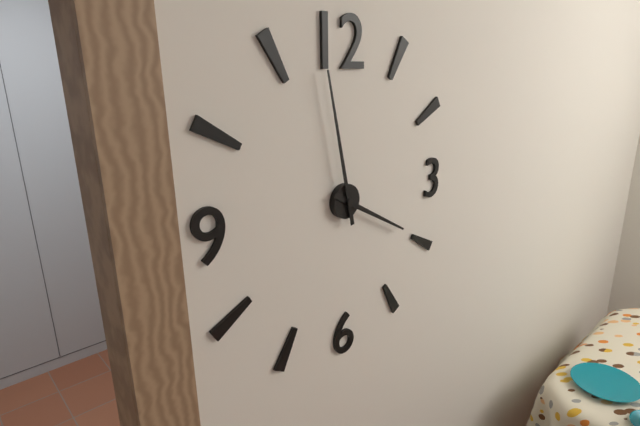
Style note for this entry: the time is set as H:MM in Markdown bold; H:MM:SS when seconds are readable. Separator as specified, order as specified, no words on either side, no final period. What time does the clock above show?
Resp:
**3:58**
